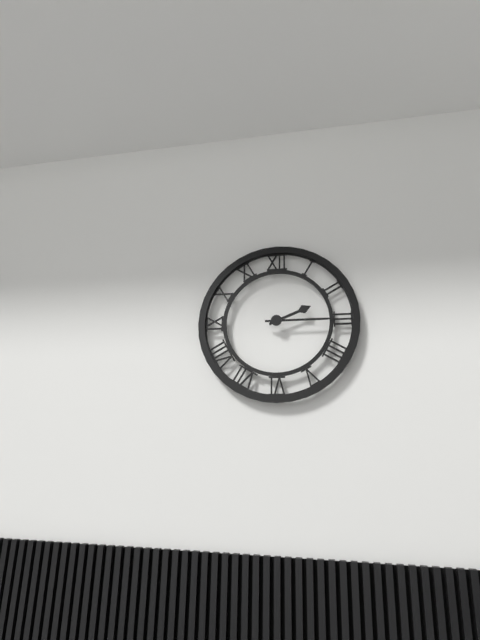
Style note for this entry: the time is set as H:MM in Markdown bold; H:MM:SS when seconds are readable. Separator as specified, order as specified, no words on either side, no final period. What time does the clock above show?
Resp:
**2:15**
